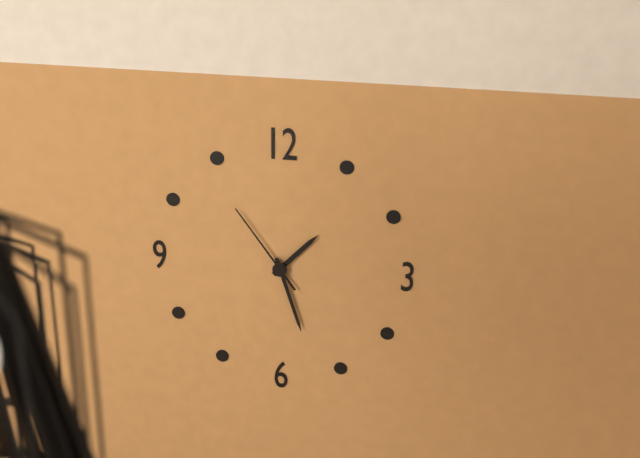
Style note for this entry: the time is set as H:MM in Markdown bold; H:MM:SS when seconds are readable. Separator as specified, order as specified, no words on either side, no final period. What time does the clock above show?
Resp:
**1:27:54**
